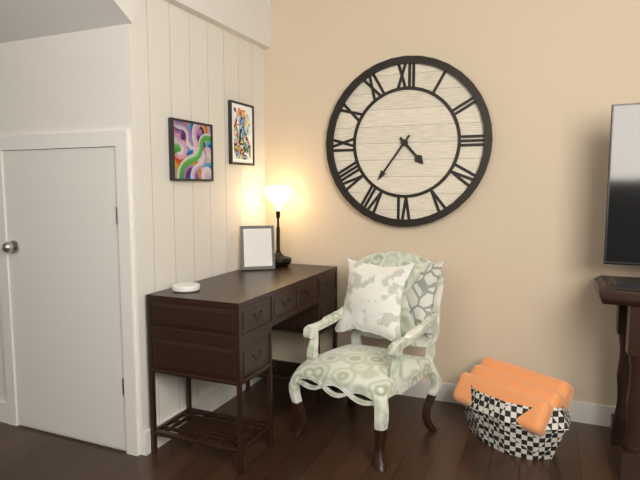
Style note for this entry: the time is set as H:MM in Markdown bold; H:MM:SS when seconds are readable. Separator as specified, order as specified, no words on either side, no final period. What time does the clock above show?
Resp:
**4:36**
